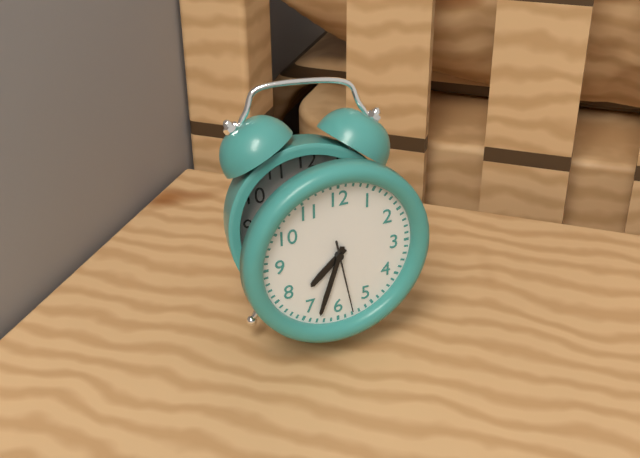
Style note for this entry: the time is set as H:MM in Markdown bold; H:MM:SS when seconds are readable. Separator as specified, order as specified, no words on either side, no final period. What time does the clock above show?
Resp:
**7:33:28**
